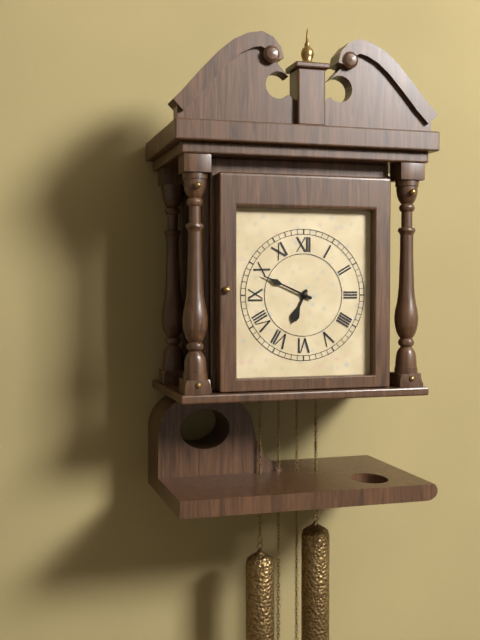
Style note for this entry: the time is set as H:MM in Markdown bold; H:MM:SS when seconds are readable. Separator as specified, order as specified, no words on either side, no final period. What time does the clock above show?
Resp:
**6:49**
